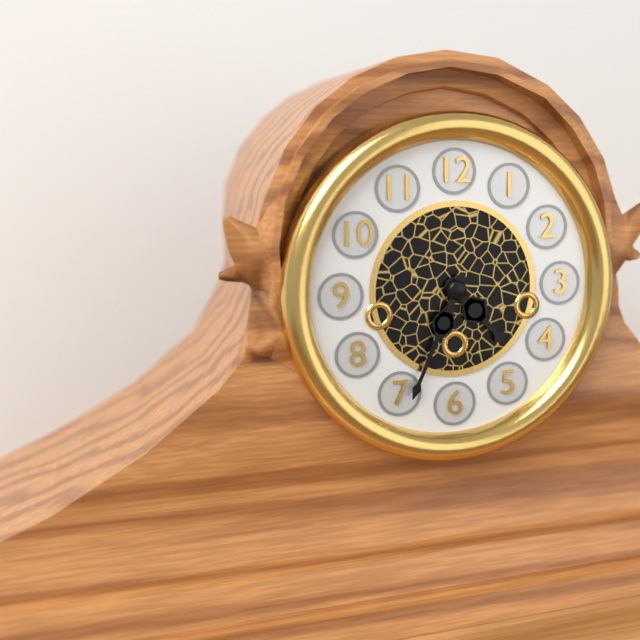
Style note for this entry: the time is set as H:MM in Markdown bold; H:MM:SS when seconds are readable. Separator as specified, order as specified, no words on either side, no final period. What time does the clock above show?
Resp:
**4:34**
